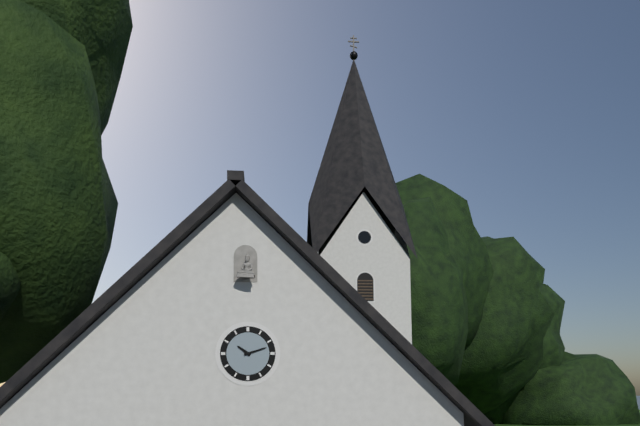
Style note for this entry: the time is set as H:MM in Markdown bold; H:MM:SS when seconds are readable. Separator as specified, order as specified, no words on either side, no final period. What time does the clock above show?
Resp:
**10:12**
